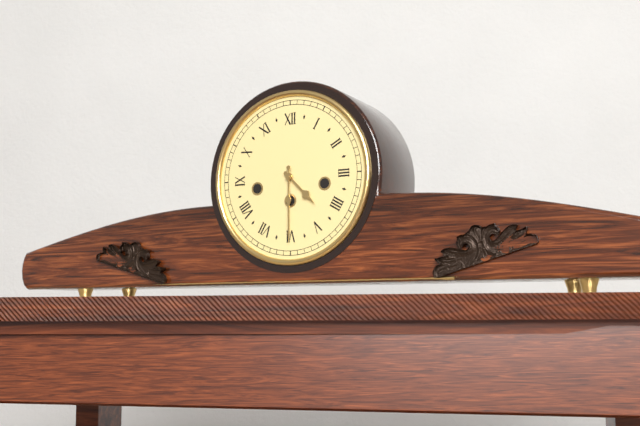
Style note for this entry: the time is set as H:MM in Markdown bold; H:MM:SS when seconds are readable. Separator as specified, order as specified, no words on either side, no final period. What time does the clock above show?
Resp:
**4:30**
